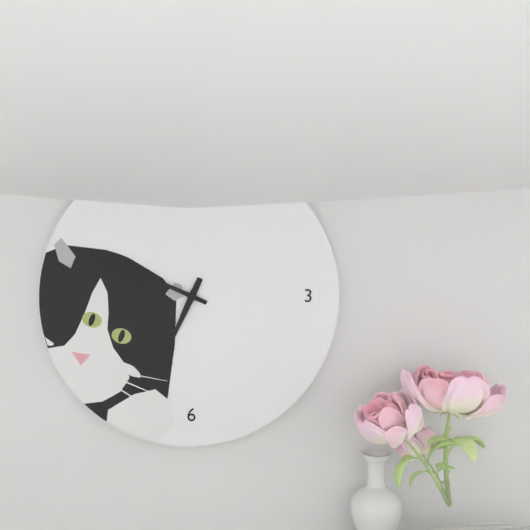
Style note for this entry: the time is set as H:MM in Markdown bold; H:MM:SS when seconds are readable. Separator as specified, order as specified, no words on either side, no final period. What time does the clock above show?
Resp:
**6:49**
